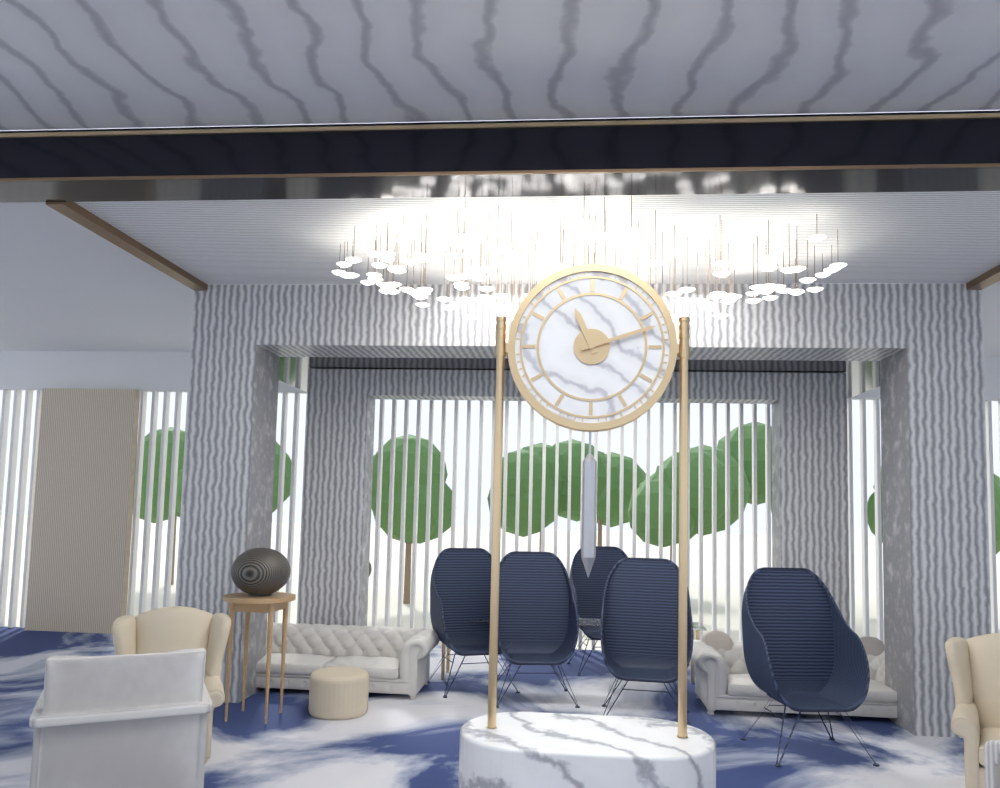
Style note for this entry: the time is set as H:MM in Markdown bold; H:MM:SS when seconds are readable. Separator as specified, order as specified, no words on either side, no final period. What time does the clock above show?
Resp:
**11:12**
